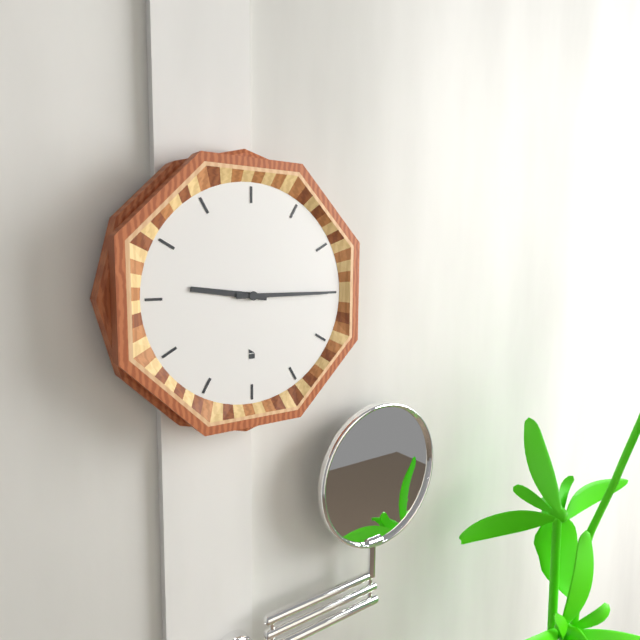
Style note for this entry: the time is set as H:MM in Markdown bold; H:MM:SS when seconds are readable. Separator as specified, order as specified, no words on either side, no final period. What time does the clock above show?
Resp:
**9:15**
